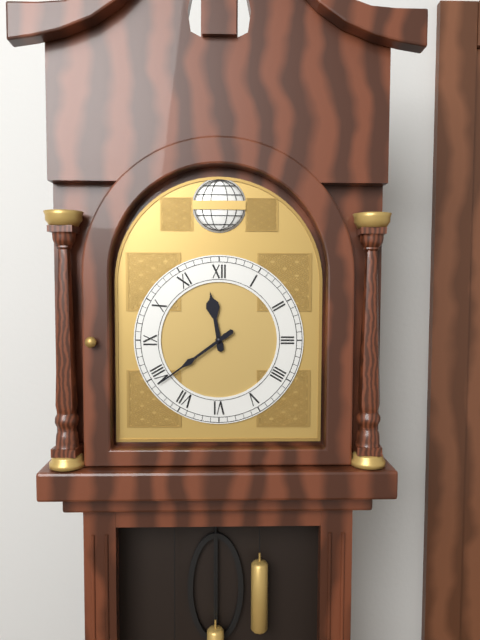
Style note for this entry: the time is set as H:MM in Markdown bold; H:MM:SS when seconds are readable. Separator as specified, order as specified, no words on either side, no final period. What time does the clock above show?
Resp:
**11:39**
